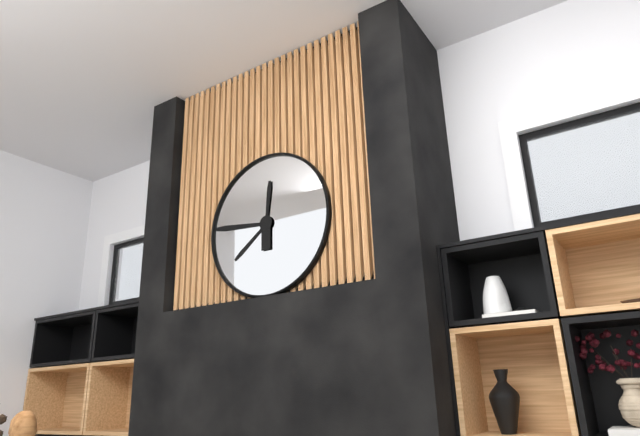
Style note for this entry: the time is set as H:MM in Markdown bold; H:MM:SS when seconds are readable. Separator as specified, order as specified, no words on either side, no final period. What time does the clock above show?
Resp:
**7:46:01**
